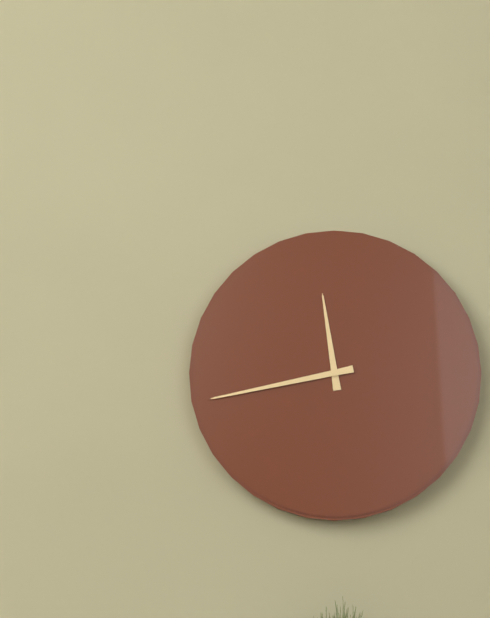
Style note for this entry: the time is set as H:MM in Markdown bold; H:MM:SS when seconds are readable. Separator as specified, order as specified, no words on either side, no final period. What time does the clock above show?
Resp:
**11:43**
